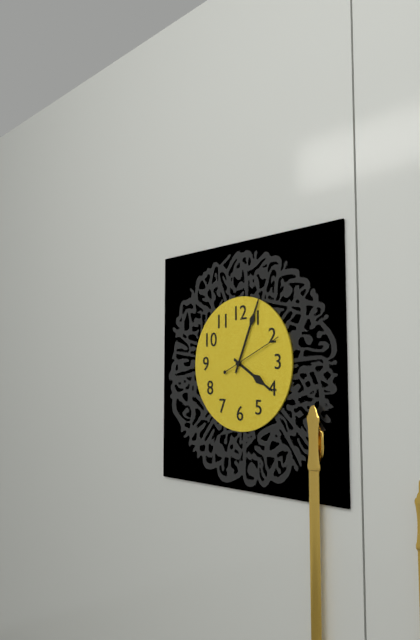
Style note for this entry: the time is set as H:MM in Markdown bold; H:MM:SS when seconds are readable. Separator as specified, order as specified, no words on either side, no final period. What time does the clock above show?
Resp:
**4:04:11**
